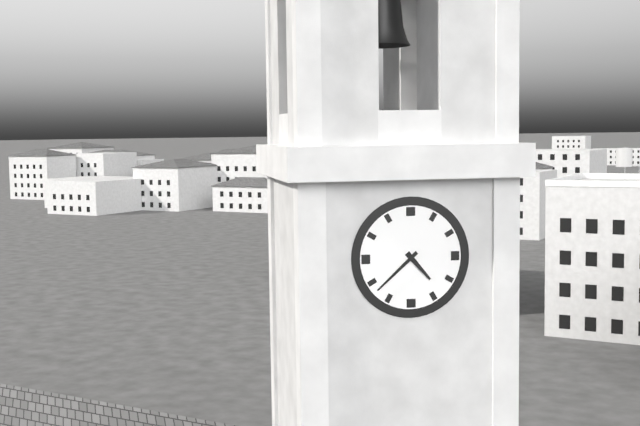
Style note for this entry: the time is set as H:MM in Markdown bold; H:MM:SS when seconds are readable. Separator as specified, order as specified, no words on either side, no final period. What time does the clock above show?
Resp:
**4:38**
